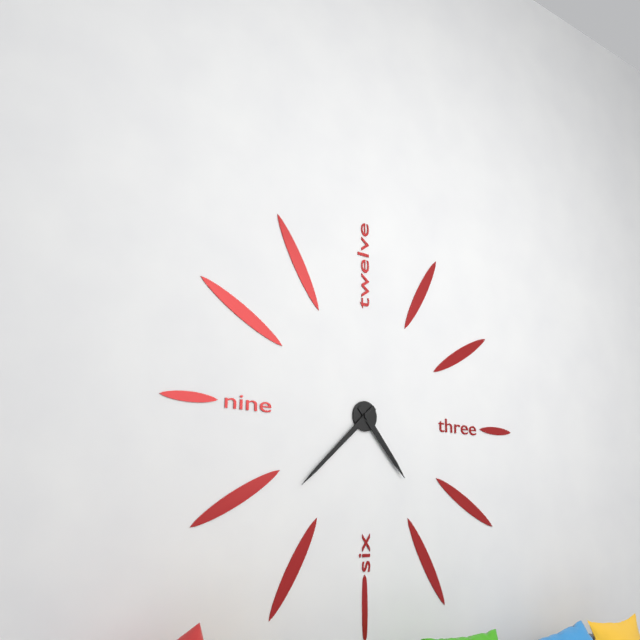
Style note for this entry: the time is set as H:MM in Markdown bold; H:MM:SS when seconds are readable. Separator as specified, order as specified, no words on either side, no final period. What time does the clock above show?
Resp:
**4:38**
